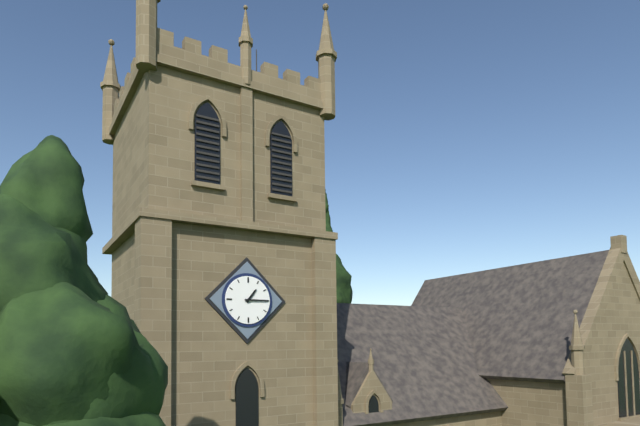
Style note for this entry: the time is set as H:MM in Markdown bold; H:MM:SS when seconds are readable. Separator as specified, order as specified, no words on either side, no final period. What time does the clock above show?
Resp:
**1:15**
